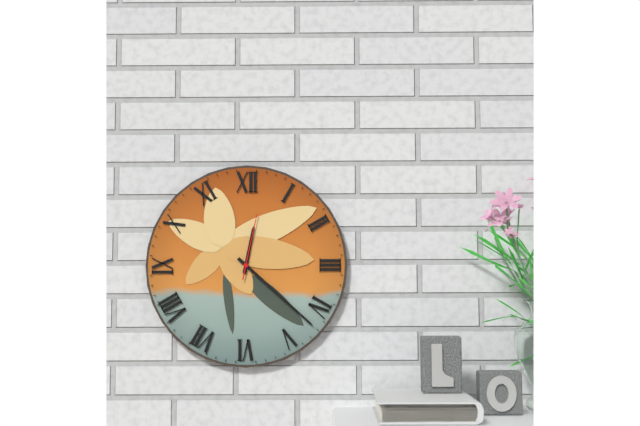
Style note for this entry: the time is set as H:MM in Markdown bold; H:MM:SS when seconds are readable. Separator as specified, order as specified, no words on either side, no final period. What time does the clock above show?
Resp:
**12:22:02**
